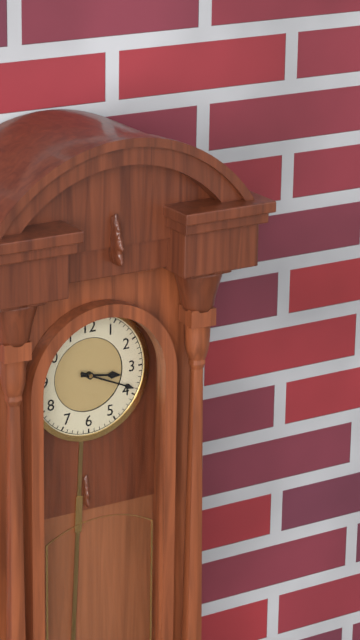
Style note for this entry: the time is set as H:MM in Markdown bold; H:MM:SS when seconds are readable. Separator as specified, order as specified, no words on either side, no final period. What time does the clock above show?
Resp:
**3:19**
